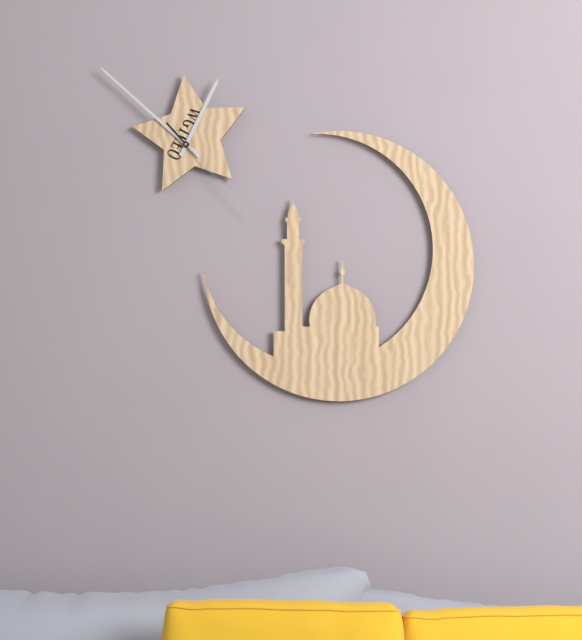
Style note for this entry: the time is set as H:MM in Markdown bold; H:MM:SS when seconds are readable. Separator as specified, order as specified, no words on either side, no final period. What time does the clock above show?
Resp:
**12:52:23**
